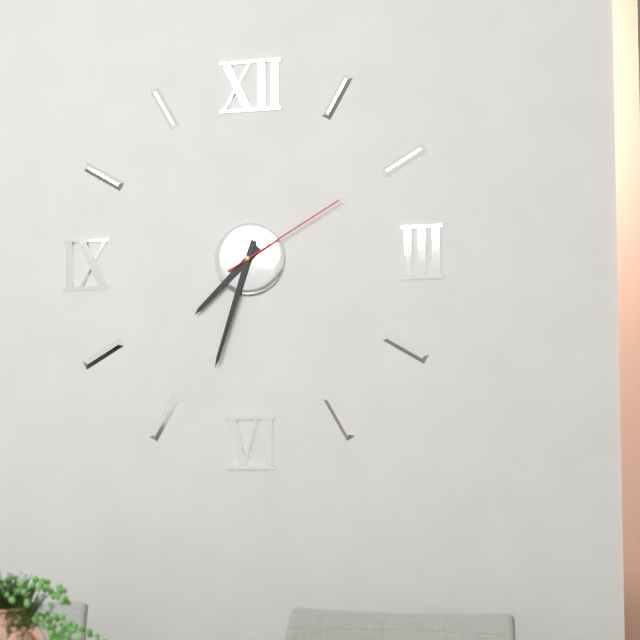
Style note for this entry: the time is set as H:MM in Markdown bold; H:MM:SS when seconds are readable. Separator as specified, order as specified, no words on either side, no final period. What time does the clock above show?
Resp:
**7:33:10**
